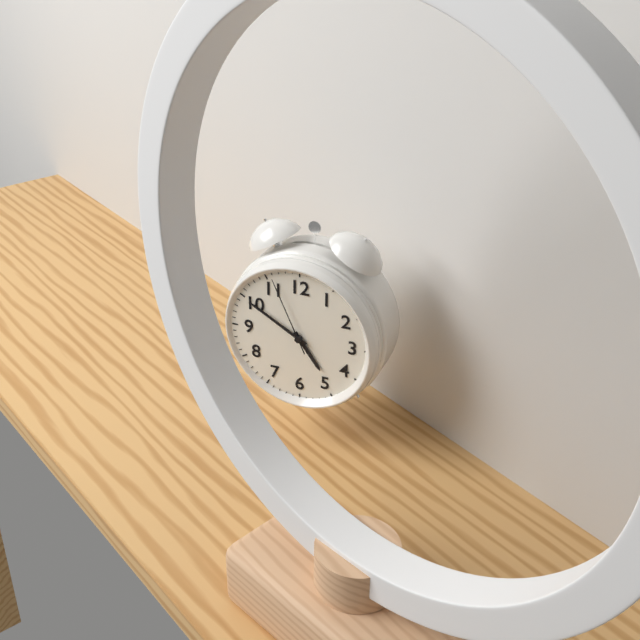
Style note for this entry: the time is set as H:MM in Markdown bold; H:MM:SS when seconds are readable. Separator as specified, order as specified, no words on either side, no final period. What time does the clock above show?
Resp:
**4:50:56**
